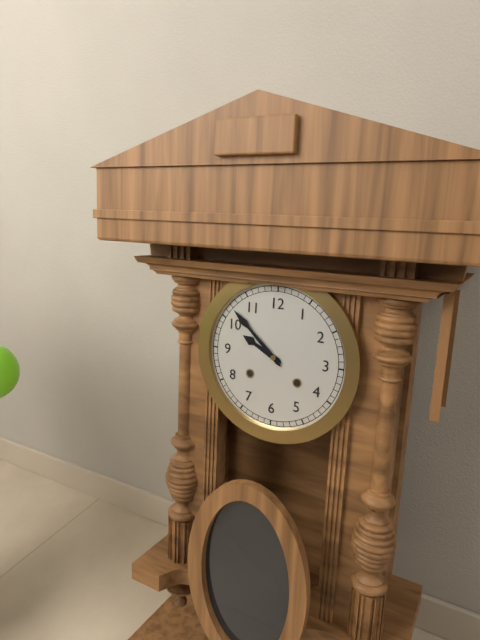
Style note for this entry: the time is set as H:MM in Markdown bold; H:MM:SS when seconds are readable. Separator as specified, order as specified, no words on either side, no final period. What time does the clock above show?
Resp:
**9:52**
